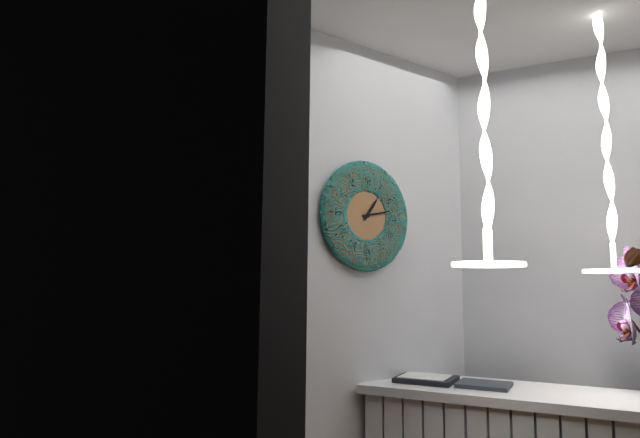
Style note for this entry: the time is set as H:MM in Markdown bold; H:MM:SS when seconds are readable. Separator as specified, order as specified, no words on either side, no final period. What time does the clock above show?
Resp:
**1:13**
